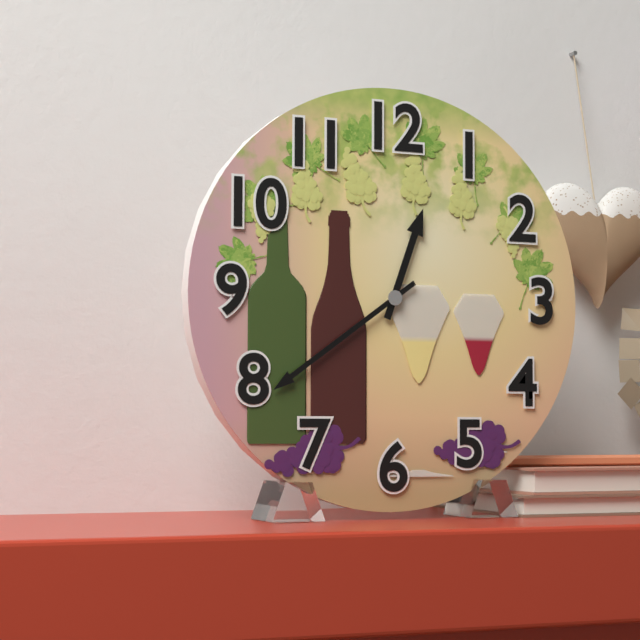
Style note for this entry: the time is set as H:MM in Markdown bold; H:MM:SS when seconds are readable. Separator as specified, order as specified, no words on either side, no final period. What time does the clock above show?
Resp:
**12:39**
